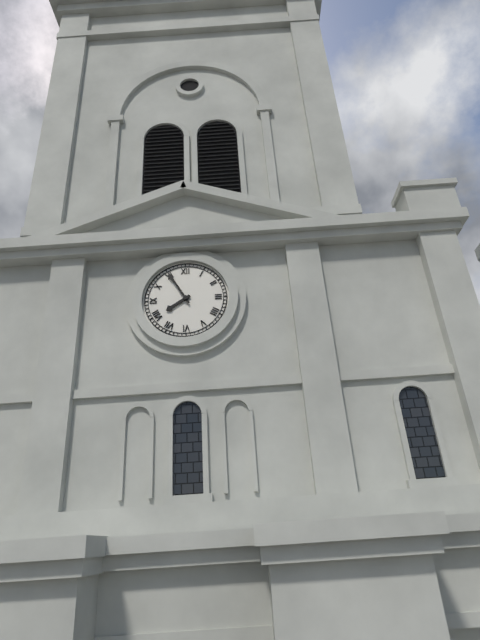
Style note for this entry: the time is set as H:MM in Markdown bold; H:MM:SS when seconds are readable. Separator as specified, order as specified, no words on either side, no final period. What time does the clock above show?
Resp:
**7:55**
